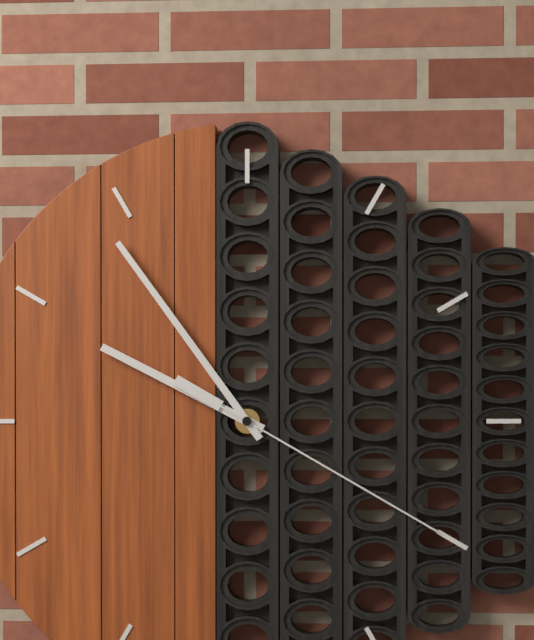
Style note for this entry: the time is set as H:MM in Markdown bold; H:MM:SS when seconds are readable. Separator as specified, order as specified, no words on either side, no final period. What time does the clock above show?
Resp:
**9:54:20**
